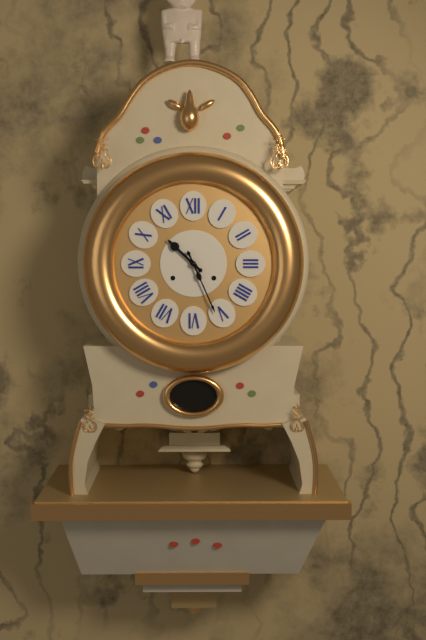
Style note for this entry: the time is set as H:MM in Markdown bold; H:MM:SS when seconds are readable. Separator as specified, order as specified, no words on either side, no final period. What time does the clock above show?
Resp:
**10:26**
